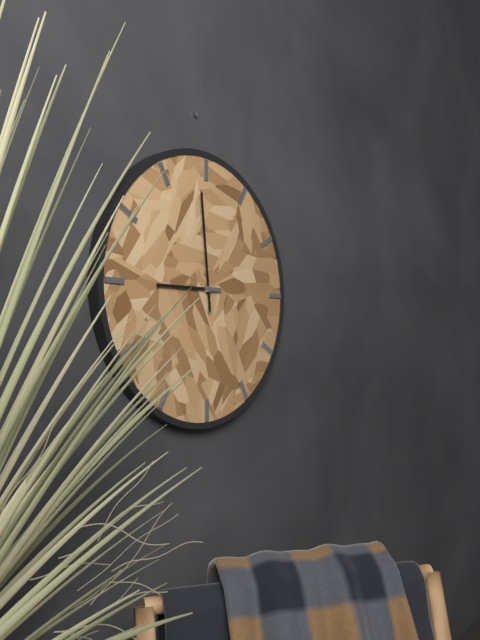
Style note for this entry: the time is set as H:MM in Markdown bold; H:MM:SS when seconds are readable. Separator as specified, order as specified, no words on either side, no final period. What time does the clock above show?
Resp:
**8:59**
